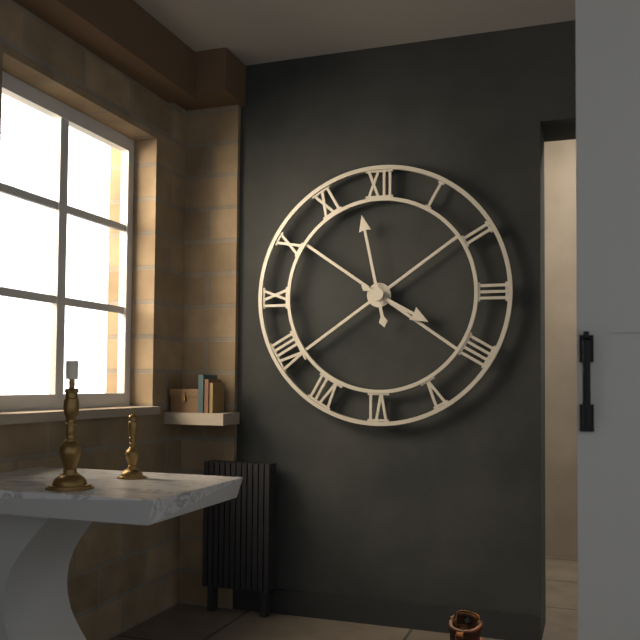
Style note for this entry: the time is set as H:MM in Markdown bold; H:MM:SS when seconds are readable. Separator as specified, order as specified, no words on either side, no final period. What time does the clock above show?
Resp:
**3:58**
